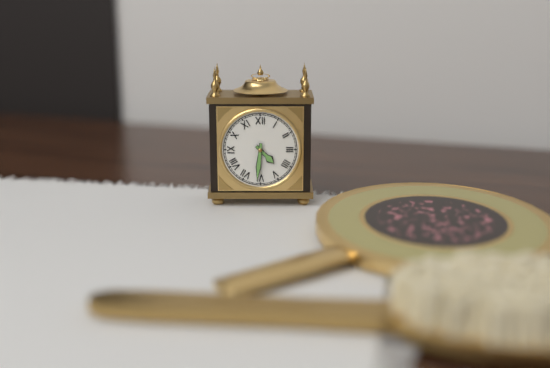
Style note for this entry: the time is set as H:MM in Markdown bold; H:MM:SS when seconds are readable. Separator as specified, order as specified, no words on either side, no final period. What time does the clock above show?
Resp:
**4:31**
